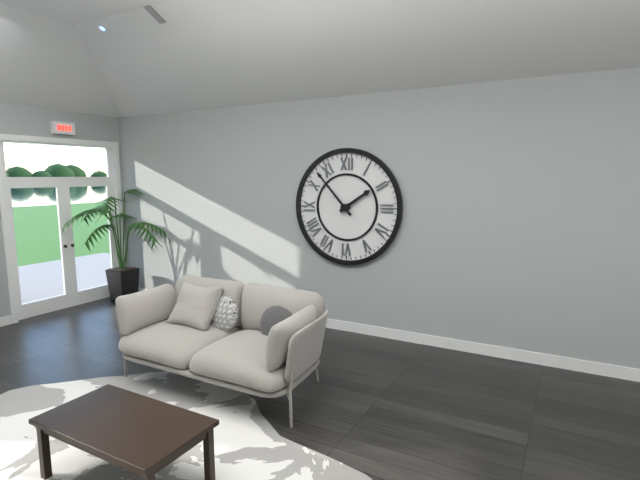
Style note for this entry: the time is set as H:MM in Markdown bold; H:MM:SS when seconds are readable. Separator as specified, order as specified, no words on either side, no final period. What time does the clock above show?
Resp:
**1:53**
